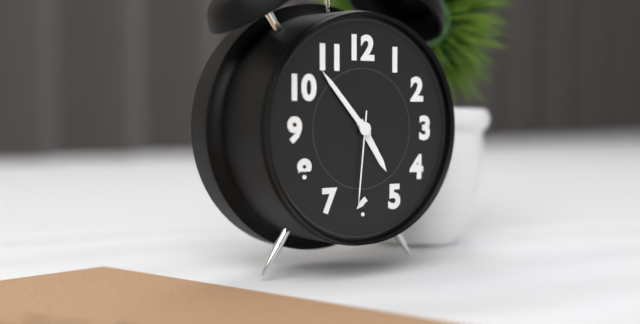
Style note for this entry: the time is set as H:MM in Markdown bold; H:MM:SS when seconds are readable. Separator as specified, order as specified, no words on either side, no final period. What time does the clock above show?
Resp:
**4:53:31**
